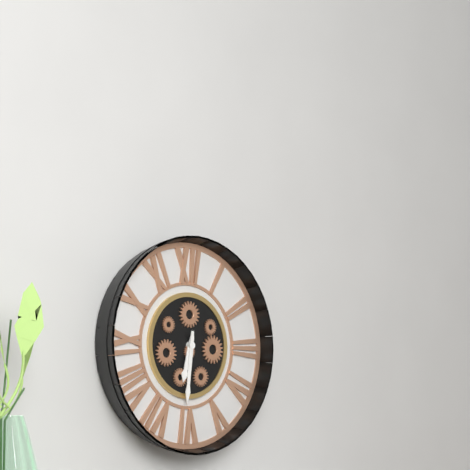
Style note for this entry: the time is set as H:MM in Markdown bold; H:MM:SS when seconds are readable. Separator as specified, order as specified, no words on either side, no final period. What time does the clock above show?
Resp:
**6:31**
